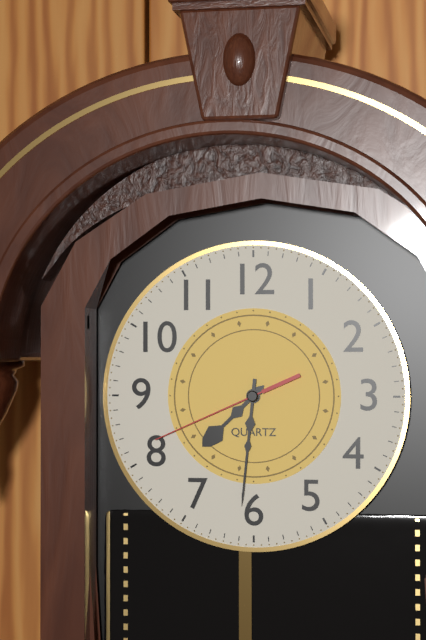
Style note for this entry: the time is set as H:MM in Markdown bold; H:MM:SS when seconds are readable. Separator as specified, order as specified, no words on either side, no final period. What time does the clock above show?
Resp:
**7:31:41**
